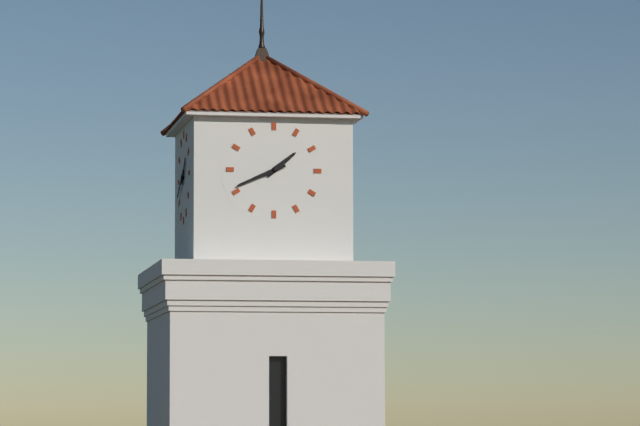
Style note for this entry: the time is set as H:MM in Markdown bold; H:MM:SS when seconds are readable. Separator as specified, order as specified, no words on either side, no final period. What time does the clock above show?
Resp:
**1:41**
